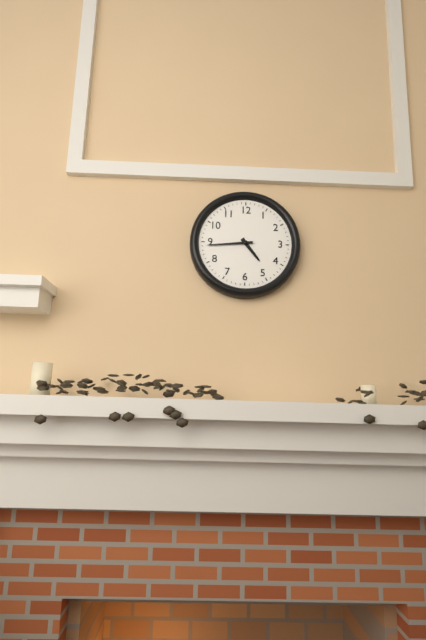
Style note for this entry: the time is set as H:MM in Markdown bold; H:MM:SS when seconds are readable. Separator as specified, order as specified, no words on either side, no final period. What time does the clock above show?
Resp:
**4:44**
